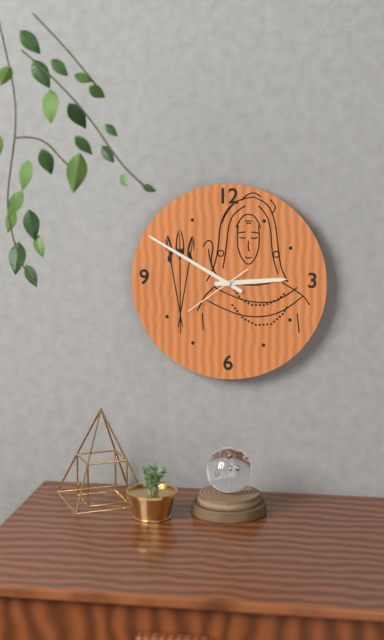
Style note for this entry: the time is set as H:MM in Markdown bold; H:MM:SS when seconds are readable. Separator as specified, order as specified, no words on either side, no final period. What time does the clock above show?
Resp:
**2:50:39**
